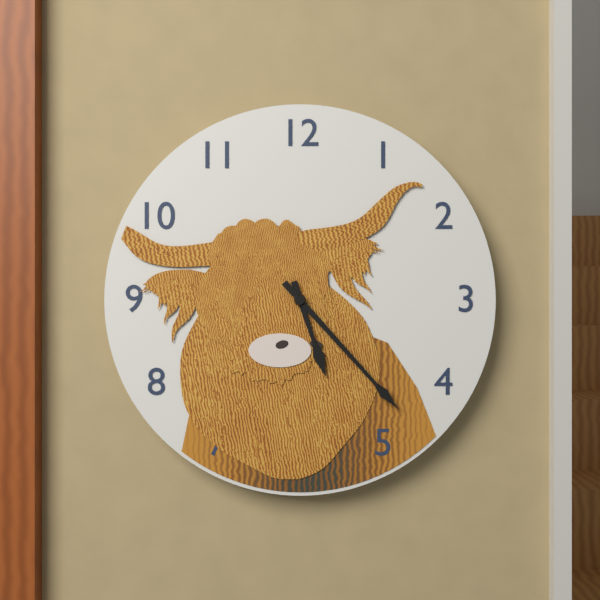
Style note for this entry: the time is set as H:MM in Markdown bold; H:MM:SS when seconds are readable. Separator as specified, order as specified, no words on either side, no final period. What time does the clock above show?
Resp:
**5:23**
